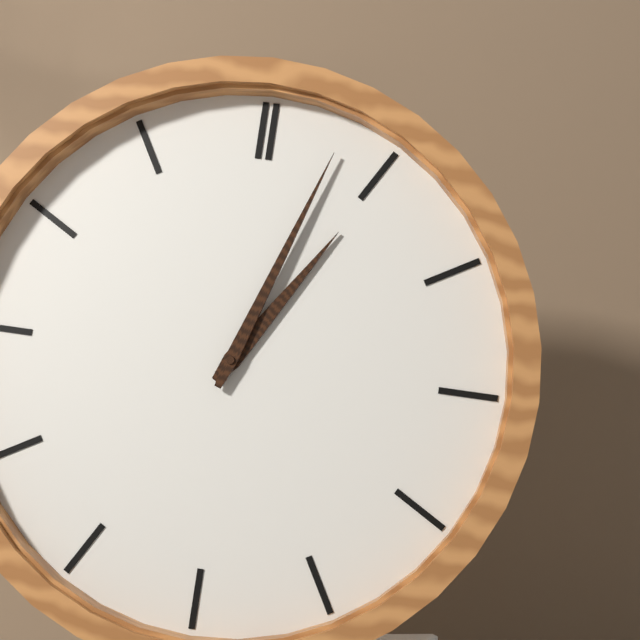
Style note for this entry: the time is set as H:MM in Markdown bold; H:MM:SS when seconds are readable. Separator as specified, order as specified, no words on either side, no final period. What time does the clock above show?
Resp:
**1:03**
